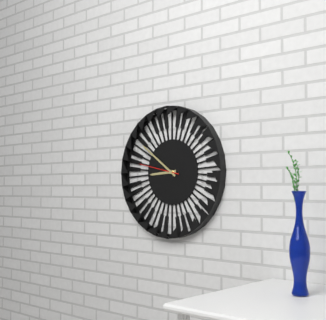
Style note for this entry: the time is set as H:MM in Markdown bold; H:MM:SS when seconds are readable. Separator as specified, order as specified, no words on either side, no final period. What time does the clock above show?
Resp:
**8:51**
